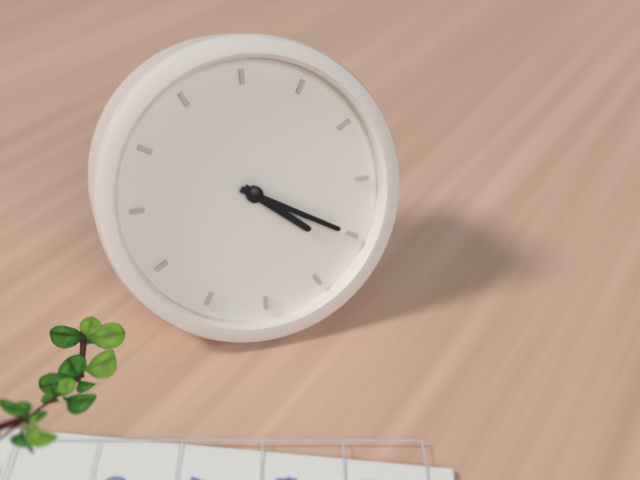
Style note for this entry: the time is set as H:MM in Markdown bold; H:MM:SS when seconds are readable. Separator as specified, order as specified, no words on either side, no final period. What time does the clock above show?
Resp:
**4:20**
